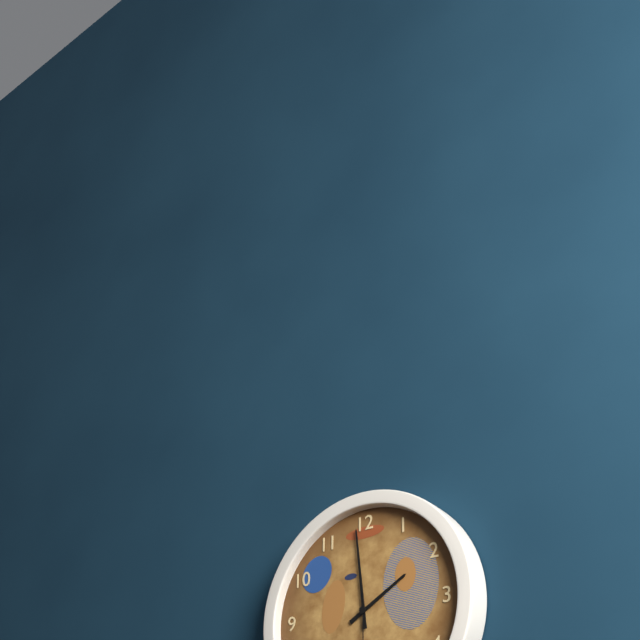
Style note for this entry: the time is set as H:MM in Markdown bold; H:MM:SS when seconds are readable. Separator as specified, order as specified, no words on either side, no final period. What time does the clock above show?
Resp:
**1:59**
